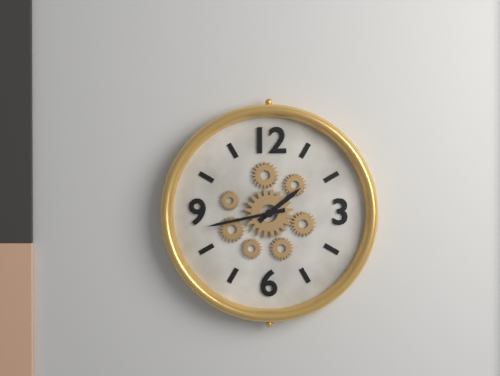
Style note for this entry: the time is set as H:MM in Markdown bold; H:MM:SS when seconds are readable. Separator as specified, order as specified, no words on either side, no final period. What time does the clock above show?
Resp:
**1:43**
